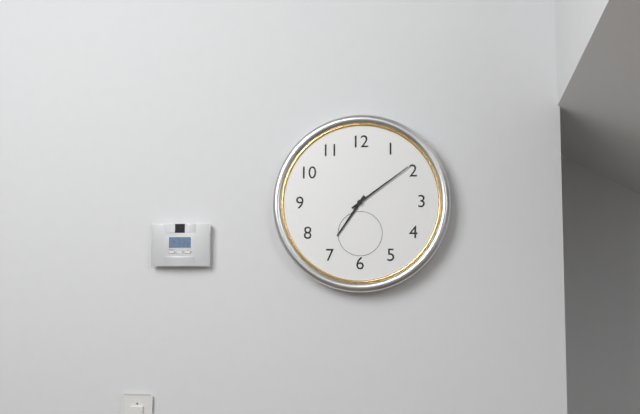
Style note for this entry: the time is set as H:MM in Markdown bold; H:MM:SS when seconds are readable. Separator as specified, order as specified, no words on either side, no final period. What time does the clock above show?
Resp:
**7:09**
